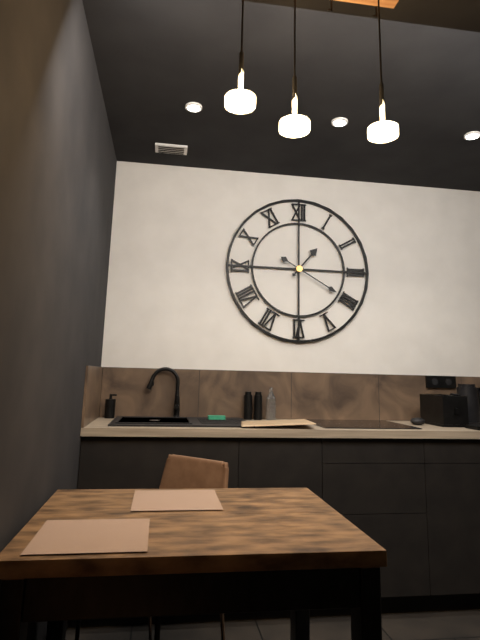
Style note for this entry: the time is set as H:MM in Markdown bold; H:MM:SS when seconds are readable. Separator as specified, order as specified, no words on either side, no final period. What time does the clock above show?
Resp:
**1:20**
